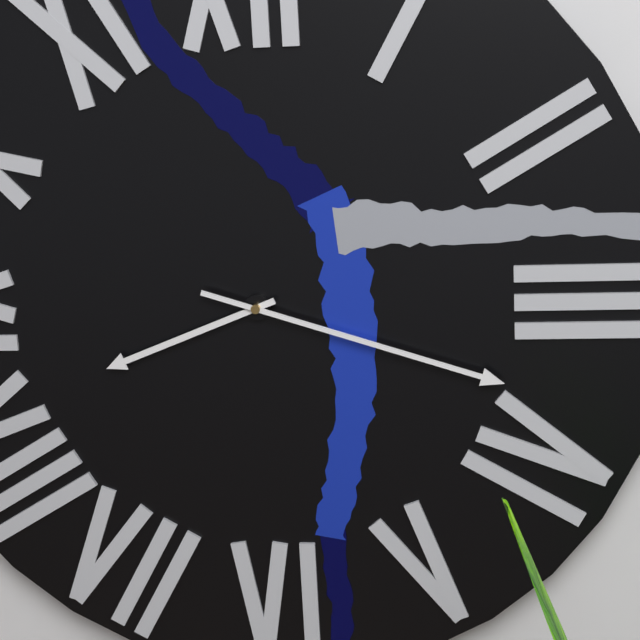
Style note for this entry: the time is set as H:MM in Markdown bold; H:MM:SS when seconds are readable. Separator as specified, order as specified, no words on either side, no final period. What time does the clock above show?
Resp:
**8:18**
